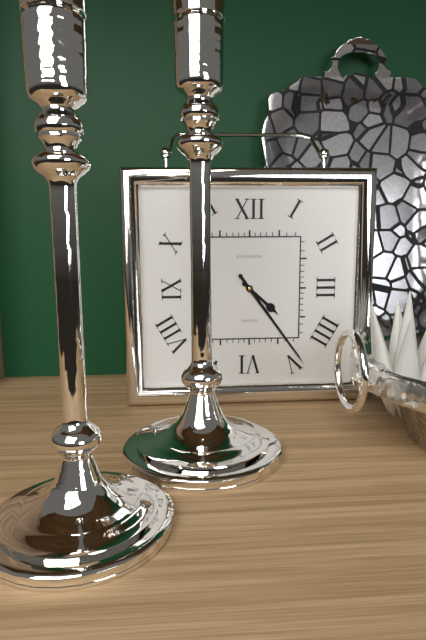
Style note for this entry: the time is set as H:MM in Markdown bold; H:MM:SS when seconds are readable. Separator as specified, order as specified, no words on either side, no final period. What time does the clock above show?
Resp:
**4:24**
